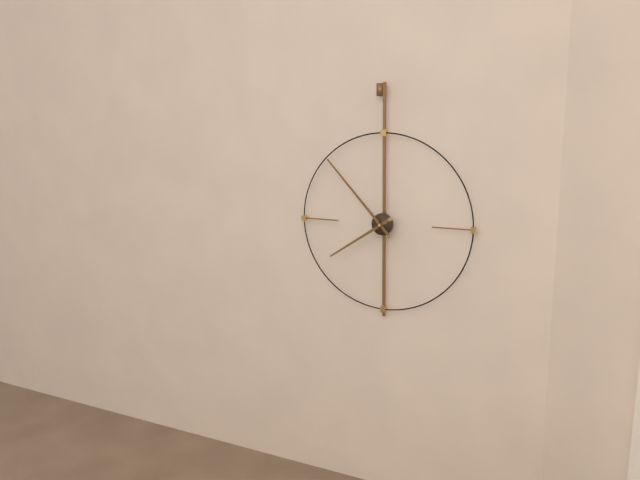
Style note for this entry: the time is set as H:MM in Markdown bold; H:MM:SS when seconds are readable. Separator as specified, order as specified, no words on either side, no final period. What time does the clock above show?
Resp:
**7:53**
